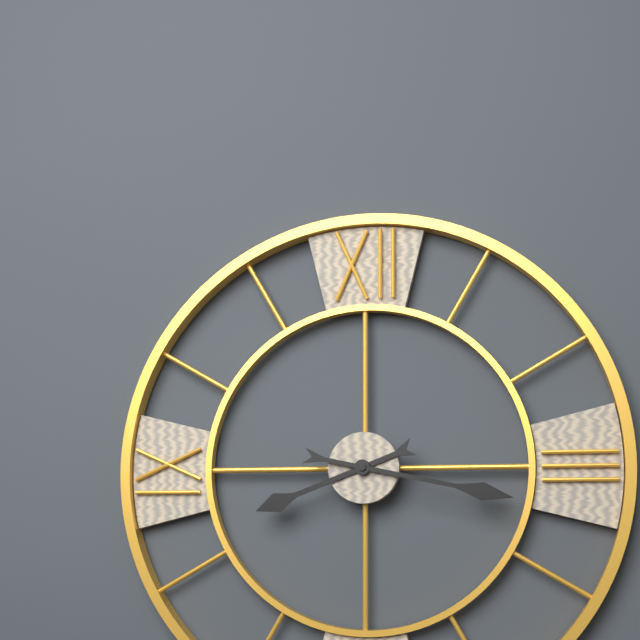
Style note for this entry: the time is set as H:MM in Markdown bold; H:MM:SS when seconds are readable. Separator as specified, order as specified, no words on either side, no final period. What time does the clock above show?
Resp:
**8:17**
